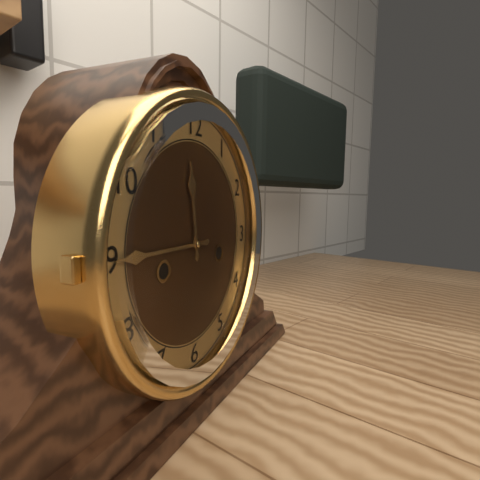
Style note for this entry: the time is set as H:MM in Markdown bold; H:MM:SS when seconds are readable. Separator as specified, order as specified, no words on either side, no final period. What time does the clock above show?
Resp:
**11:45**
